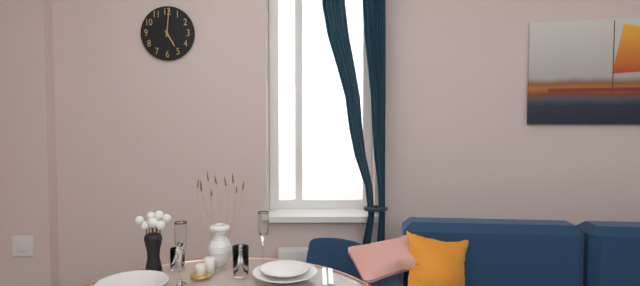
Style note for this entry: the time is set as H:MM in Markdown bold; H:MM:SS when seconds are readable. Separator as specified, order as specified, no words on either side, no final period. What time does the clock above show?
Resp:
**5:01**
